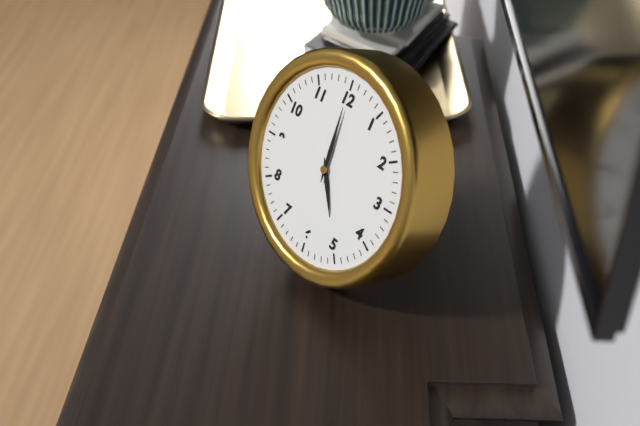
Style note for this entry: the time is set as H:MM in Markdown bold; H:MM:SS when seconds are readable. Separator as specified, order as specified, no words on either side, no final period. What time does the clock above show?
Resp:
**5:00**
